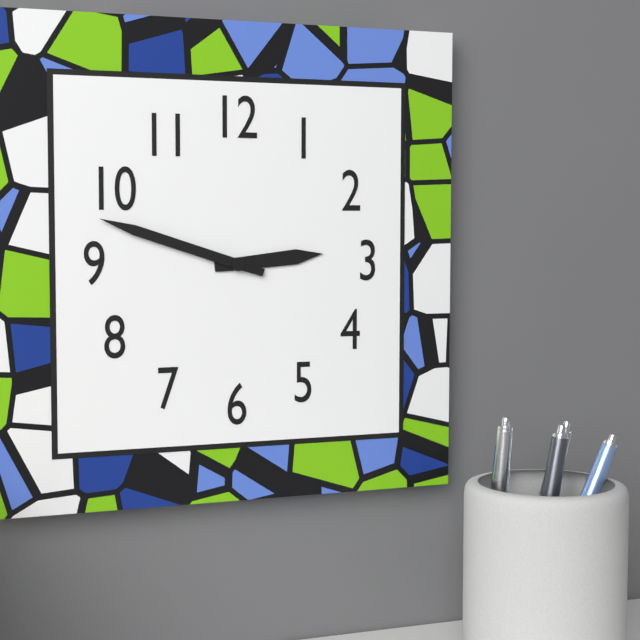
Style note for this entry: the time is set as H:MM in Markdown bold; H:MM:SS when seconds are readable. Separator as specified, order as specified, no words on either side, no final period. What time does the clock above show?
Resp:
**2:48**
